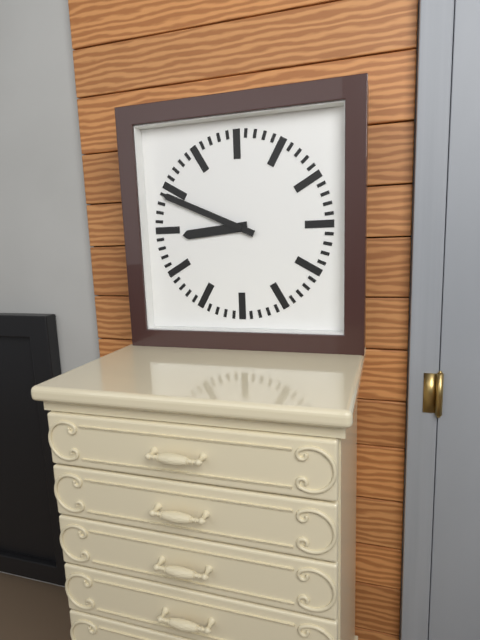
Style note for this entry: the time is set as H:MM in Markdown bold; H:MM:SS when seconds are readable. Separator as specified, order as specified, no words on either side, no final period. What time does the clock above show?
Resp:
**8:49**
